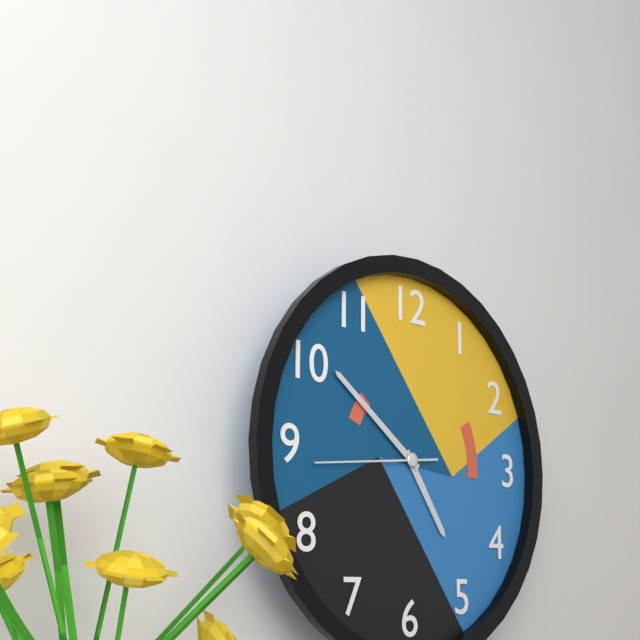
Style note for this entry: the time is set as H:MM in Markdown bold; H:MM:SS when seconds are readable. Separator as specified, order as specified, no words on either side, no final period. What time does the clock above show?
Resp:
**4:51:44**
